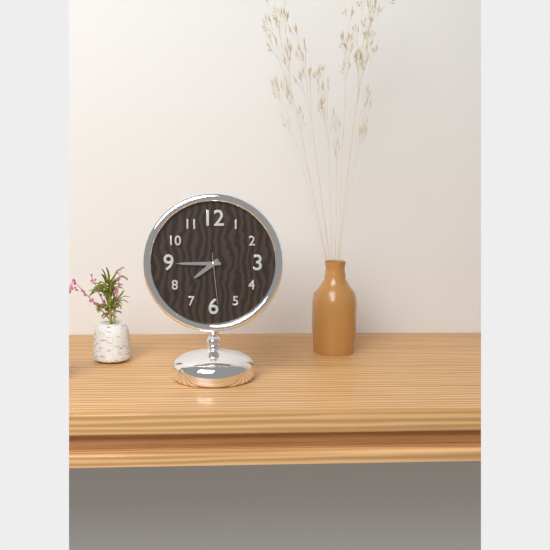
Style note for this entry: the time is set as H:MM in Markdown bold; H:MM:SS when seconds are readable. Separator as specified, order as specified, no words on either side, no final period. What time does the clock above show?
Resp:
**7:45:29**
